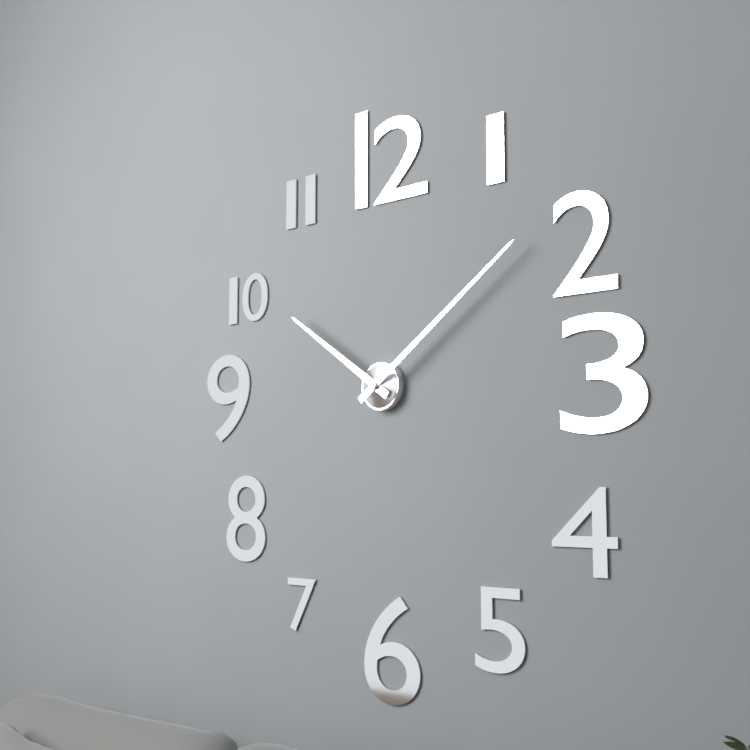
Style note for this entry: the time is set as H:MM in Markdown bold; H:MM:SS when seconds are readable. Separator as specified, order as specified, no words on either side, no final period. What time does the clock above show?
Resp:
**10:09**
